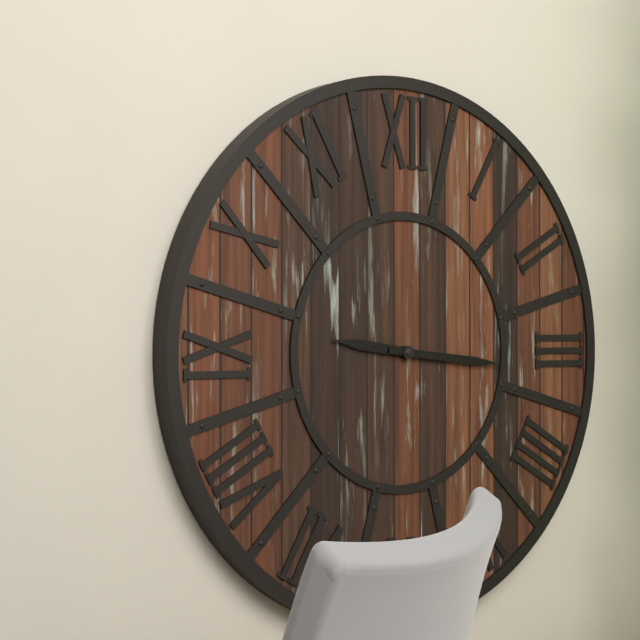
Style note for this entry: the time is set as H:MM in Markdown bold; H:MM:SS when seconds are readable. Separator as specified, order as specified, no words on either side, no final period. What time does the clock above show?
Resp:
**9:16**
